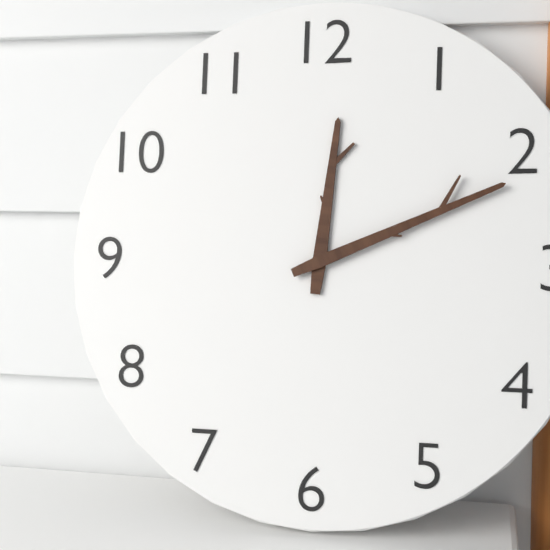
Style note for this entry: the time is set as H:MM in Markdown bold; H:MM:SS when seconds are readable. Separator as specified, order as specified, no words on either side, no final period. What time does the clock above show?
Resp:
**12:11**
